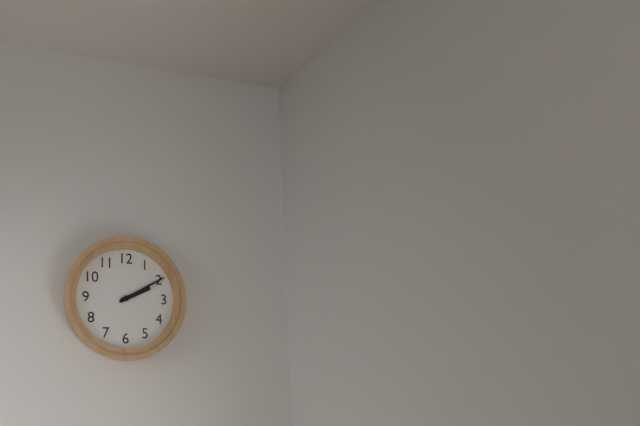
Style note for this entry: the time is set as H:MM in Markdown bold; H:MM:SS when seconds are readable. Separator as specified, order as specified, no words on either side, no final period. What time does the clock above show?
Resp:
**2:10**
